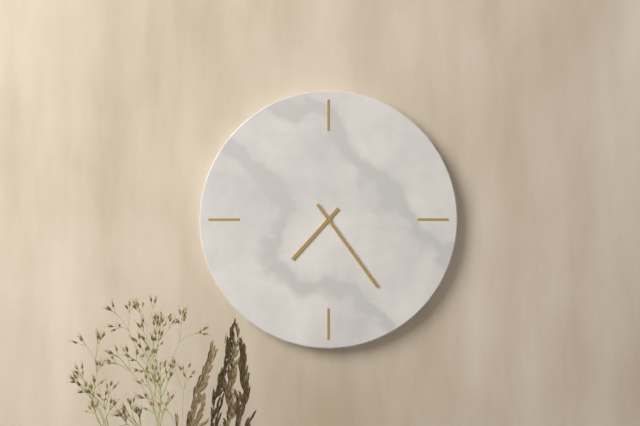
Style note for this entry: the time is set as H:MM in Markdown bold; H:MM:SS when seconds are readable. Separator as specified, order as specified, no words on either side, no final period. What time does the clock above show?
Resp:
**7:24**
